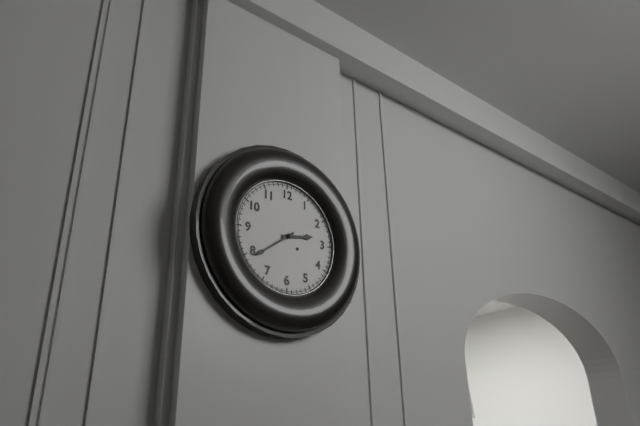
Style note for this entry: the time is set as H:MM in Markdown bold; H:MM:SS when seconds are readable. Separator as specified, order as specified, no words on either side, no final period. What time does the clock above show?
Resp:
**2:39**
